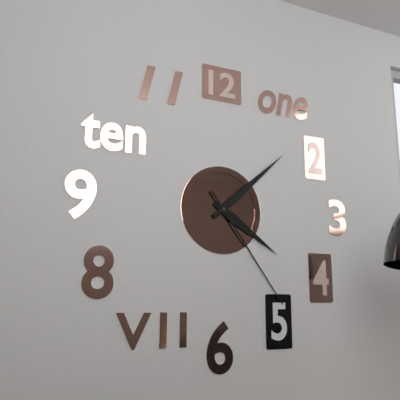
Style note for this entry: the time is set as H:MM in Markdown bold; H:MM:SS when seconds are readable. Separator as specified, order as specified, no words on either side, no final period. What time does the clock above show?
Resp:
**4:08:24**
